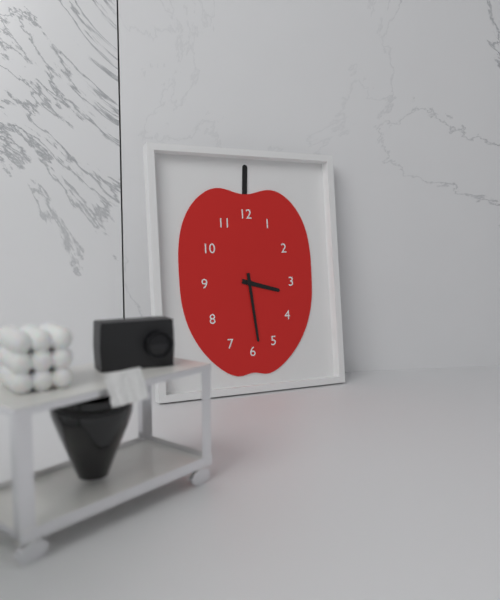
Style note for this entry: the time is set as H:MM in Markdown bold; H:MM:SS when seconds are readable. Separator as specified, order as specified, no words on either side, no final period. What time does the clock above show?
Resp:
**3:29**
